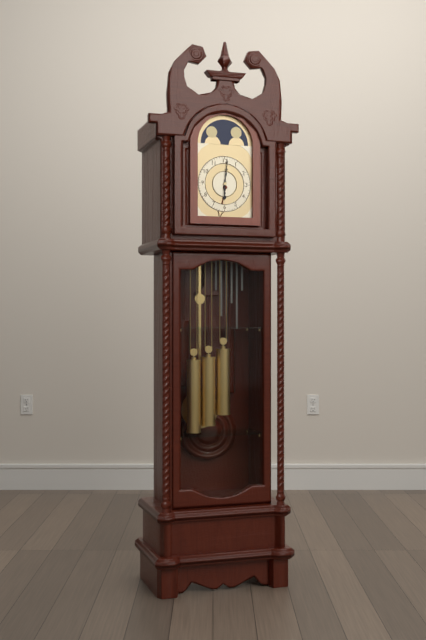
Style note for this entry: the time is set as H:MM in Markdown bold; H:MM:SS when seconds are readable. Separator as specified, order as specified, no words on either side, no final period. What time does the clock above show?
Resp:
**6:01**
